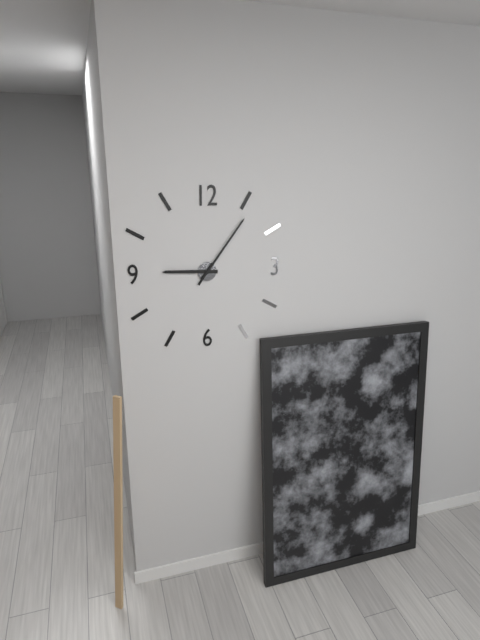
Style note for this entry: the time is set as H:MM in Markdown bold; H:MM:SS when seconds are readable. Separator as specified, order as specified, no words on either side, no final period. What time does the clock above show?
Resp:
**9:06**
